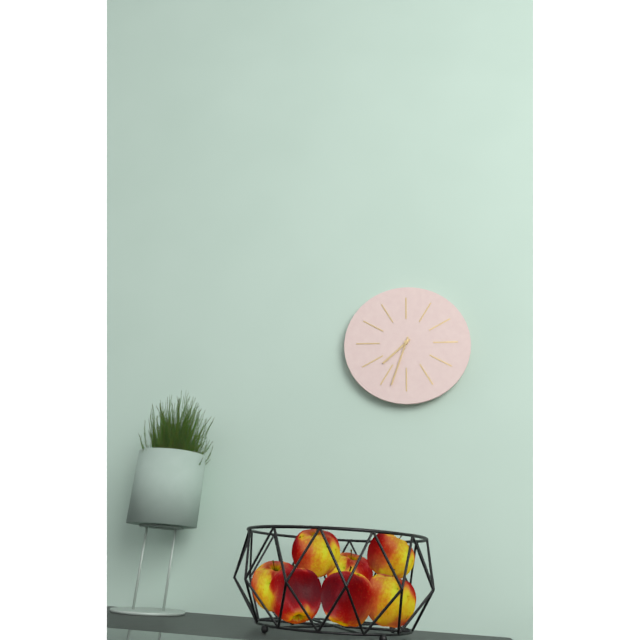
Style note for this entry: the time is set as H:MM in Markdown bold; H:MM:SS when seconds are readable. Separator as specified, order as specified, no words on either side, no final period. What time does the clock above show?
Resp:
**7:33**
